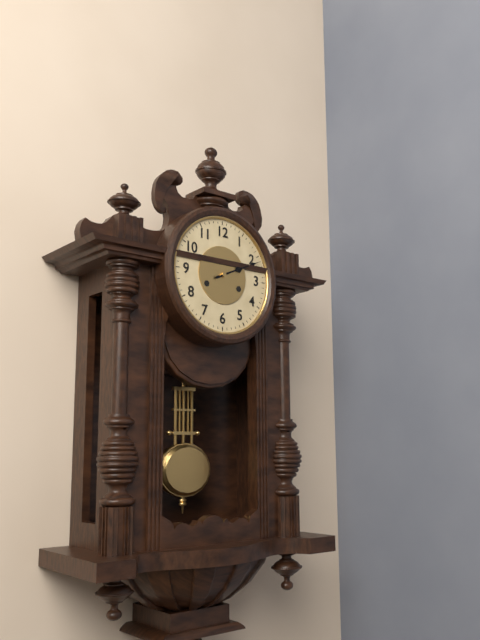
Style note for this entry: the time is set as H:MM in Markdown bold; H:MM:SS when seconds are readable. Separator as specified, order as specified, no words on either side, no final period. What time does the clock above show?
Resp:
**2:11**
